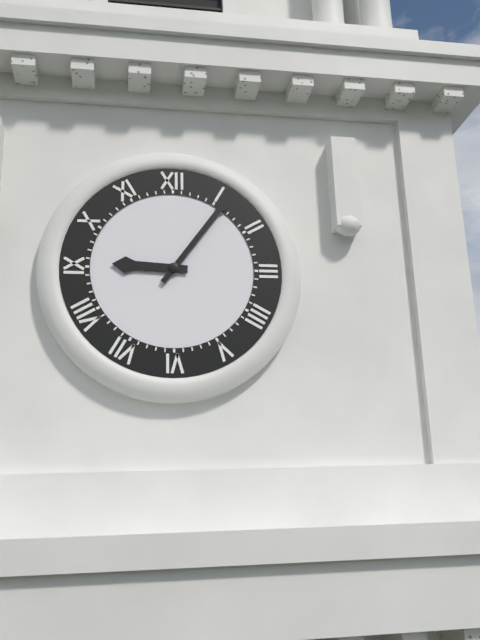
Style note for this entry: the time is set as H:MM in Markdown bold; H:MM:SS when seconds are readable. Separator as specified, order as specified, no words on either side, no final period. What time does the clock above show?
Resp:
**9:06**
